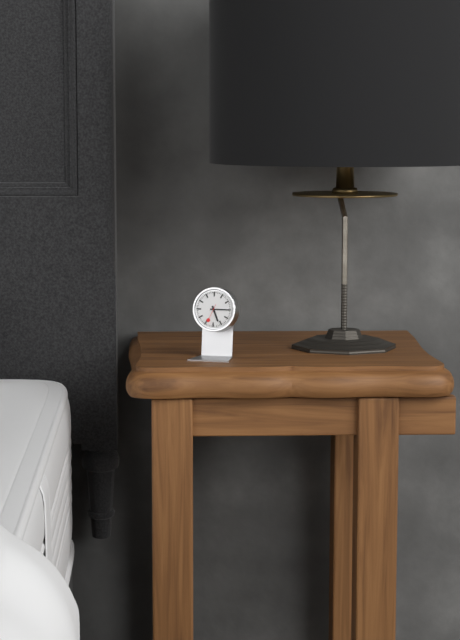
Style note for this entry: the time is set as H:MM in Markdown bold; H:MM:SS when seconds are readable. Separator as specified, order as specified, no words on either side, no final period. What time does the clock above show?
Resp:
**5:15**
